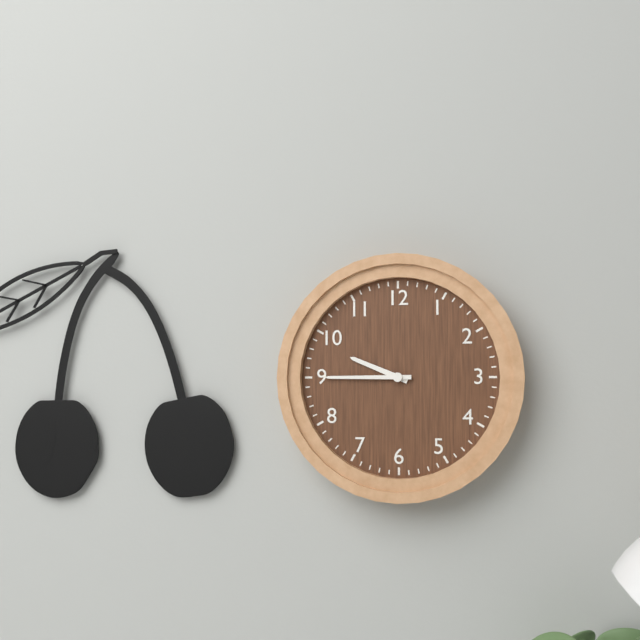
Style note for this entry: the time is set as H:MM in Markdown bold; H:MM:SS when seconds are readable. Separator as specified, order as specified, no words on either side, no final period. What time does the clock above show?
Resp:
**9:45**
